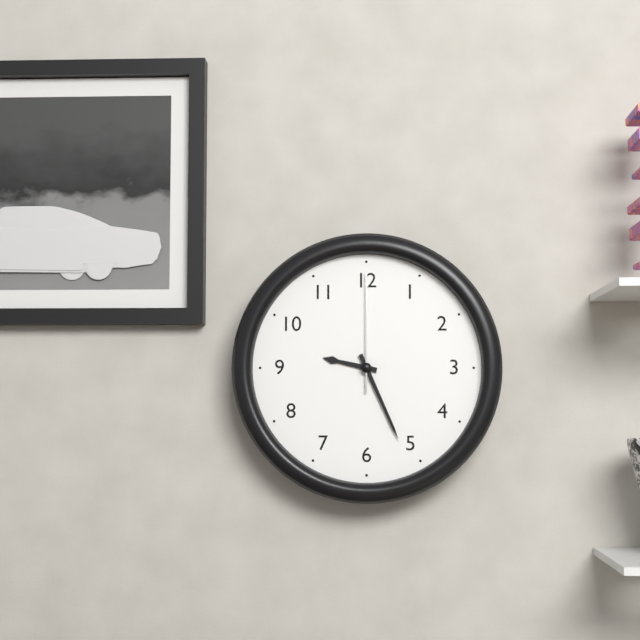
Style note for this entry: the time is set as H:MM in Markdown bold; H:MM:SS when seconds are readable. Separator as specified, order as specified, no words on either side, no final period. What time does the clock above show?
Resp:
**9:26:00**
